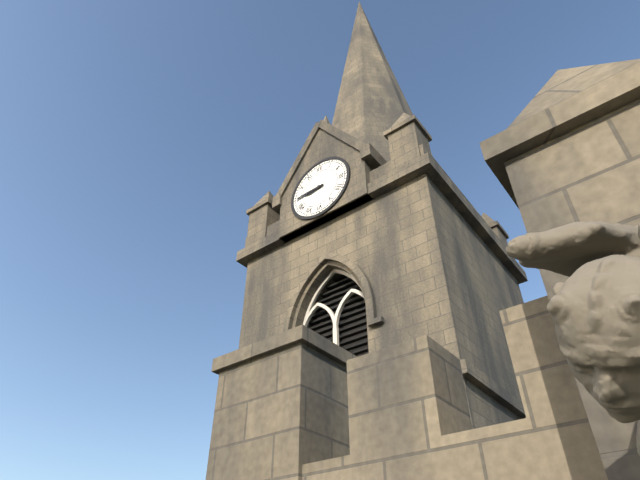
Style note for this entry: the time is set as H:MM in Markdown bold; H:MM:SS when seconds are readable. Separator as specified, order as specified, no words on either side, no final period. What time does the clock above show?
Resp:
**8:45**
